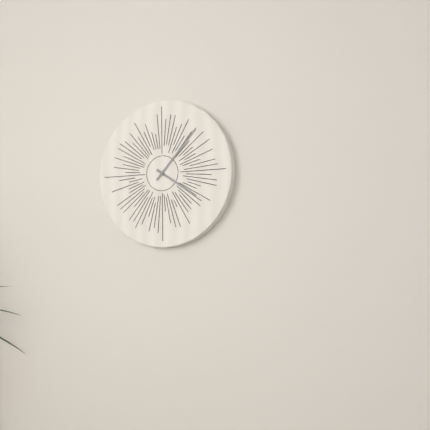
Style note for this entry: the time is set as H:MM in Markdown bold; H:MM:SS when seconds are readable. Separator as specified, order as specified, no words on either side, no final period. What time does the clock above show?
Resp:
**4:07**
